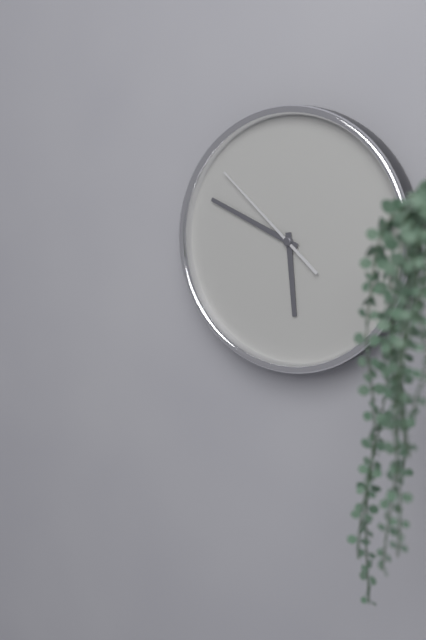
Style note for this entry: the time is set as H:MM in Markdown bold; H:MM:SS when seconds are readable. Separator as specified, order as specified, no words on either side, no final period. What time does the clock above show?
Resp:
**5:49:52**
